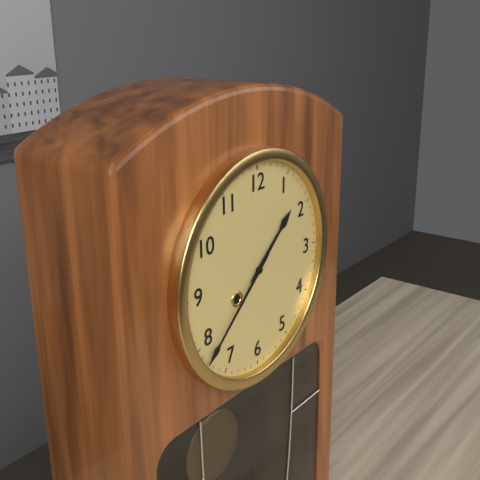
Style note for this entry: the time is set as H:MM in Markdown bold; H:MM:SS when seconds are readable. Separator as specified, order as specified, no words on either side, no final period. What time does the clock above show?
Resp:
**1:38**
